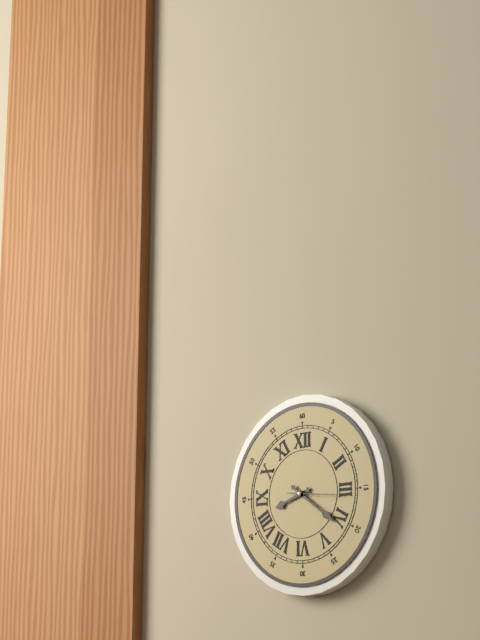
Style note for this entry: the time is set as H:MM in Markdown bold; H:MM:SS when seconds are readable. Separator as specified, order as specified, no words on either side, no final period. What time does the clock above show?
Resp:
**8:21:16**
